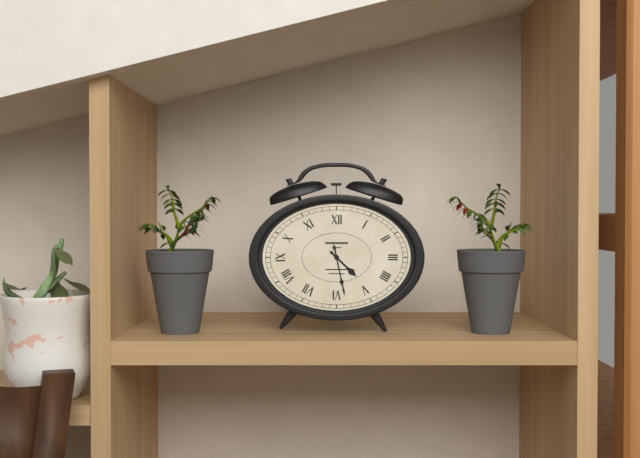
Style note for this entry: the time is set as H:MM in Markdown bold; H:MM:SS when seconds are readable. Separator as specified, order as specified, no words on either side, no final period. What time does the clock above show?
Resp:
**4:28**
